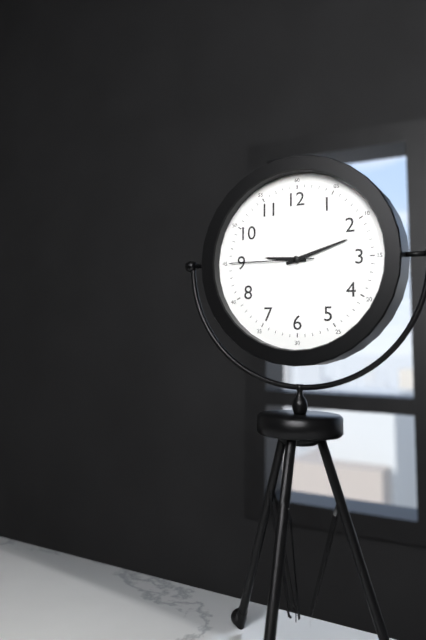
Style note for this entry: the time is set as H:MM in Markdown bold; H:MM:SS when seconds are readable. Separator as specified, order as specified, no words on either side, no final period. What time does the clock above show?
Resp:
**9:12:45**
